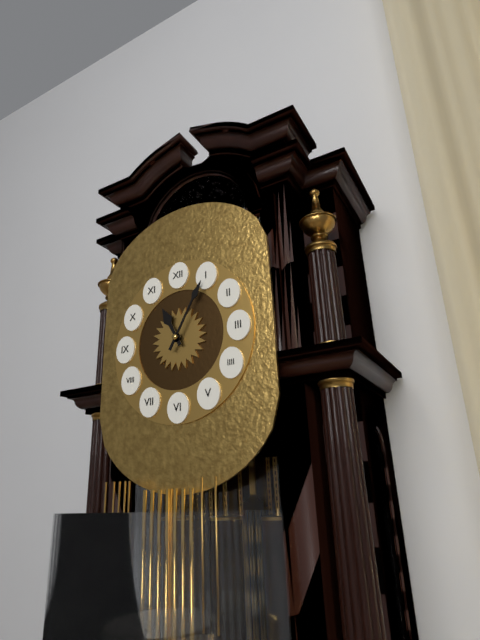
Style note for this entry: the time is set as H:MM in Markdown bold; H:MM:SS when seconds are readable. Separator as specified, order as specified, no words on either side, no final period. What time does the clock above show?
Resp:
**11:05**
